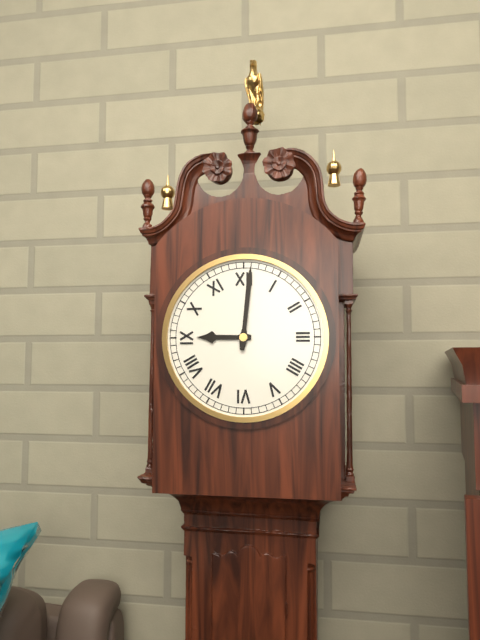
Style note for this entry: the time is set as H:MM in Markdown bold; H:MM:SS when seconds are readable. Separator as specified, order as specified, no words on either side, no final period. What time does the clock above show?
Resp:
**9:01**
